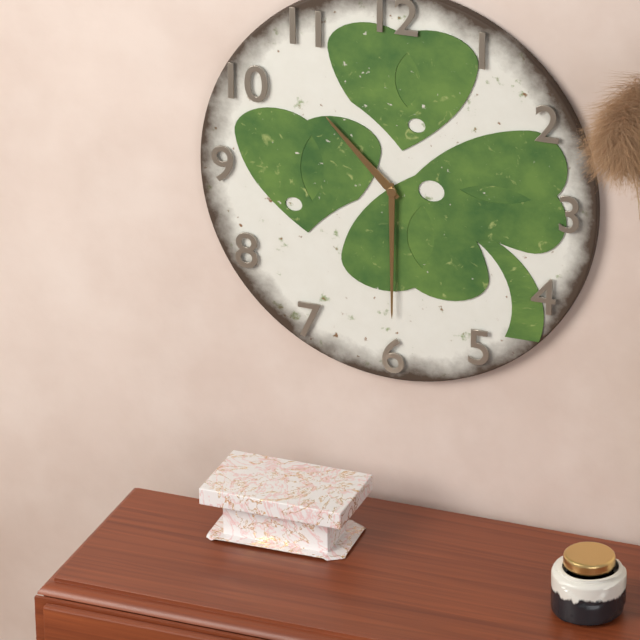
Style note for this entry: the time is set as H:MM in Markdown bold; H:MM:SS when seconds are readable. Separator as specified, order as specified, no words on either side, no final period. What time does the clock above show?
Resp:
**10:30**
